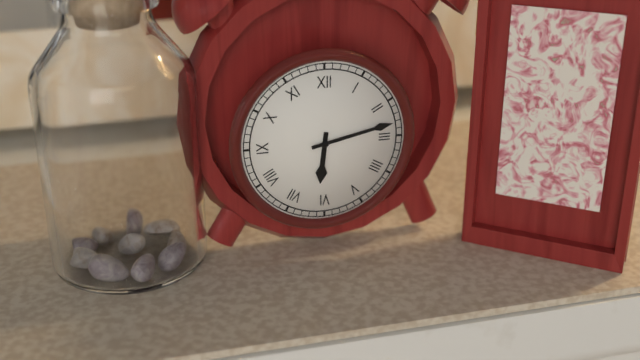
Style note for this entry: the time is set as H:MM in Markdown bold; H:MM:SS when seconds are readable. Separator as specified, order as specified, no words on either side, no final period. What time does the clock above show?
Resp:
**6:13**
